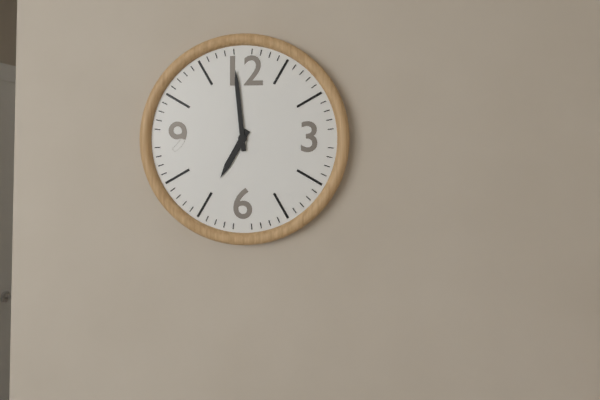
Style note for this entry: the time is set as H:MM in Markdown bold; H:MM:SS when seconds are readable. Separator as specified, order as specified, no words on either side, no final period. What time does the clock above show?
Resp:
**6:59**
